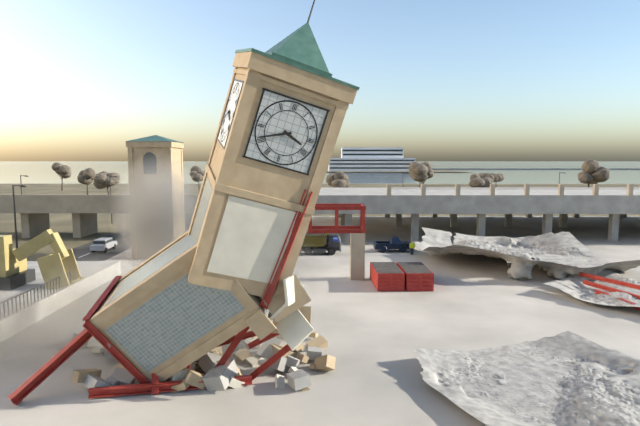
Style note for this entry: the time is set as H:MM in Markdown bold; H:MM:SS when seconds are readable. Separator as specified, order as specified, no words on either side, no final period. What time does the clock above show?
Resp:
**3:41**
